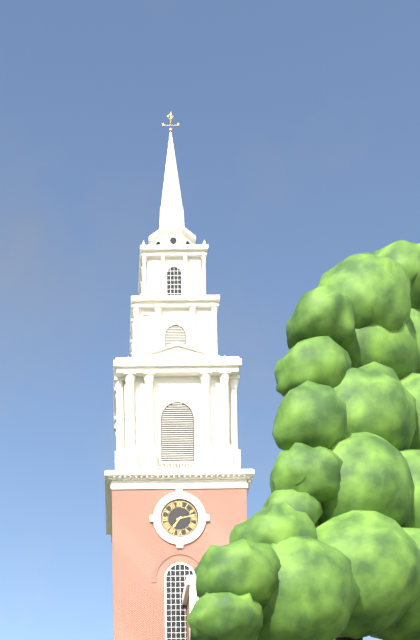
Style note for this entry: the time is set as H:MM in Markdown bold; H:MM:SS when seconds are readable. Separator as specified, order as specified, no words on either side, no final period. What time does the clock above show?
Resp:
**7:13**
